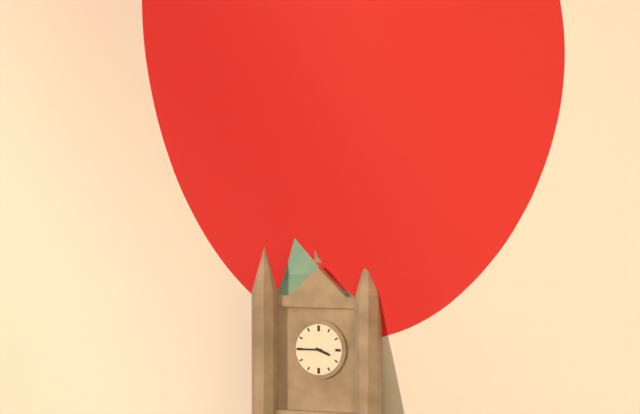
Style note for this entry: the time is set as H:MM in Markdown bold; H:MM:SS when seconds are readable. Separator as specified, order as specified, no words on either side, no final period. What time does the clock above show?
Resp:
**3:45**
